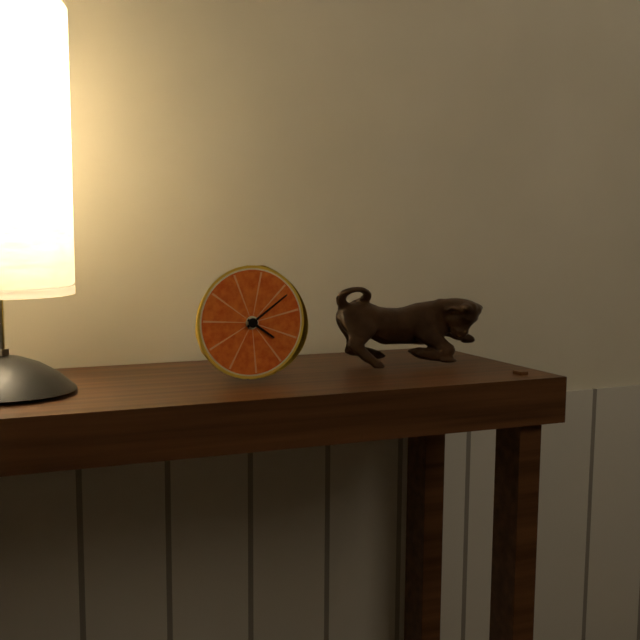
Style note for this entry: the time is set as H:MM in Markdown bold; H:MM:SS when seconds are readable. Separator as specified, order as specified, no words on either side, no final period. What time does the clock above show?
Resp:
**4:09**
